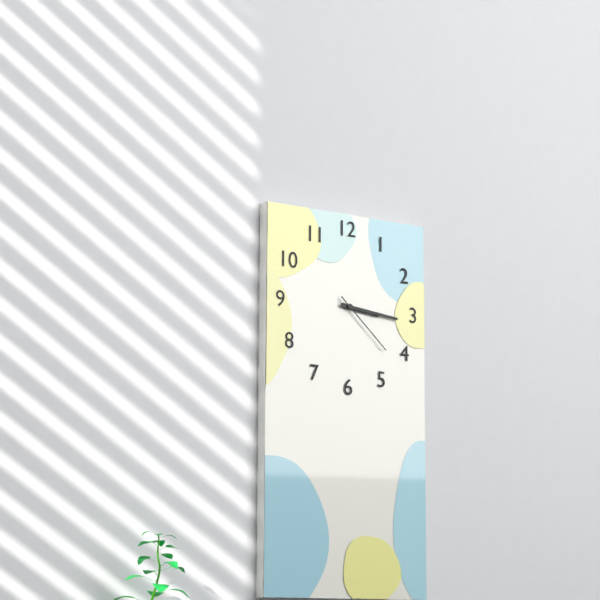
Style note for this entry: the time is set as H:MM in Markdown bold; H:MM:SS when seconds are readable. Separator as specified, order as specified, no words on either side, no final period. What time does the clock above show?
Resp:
**3:16:22**
